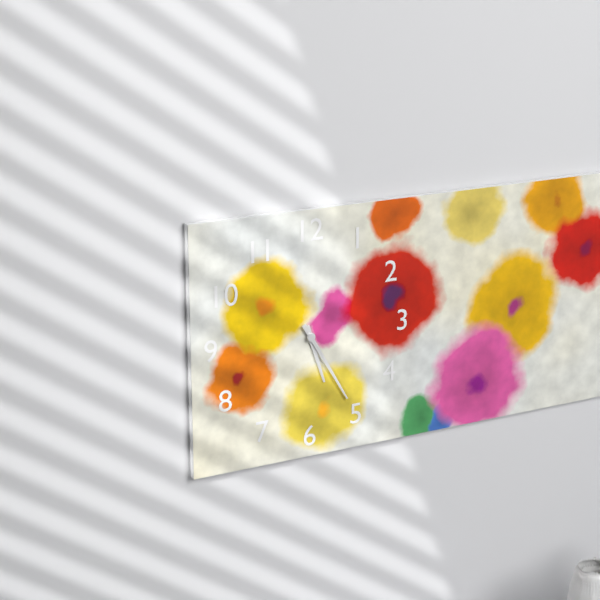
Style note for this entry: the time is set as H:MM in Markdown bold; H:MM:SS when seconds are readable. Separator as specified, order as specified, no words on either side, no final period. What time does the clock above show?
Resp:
**5:25**
